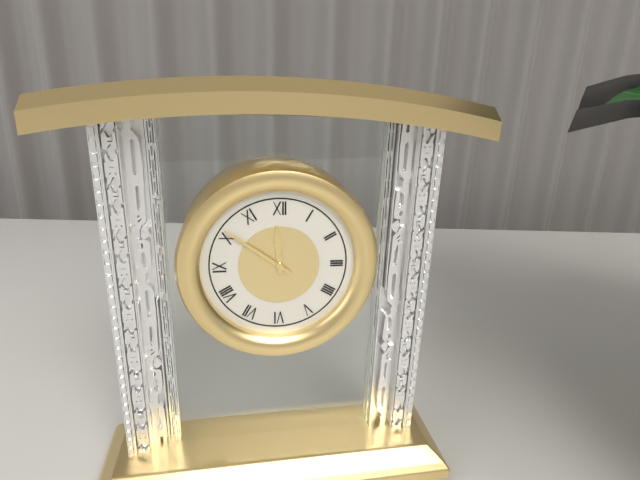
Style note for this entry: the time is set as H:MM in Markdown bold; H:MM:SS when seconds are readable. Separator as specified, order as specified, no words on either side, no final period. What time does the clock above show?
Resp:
**11:51**
